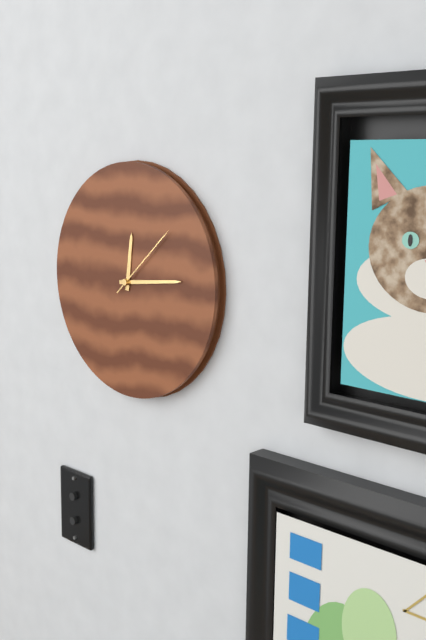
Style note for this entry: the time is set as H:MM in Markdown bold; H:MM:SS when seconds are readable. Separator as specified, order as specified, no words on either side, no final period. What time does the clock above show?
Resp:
**12:14:08**
